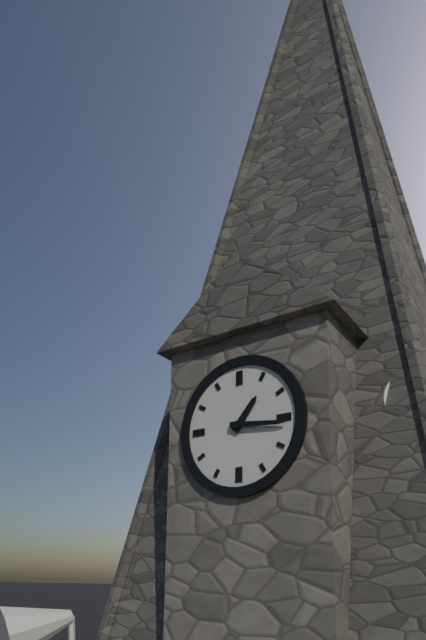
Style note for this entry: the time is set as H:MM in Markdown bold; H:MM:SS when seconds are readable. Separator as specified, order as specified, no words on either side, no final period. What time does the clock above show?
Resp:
**1:16**
